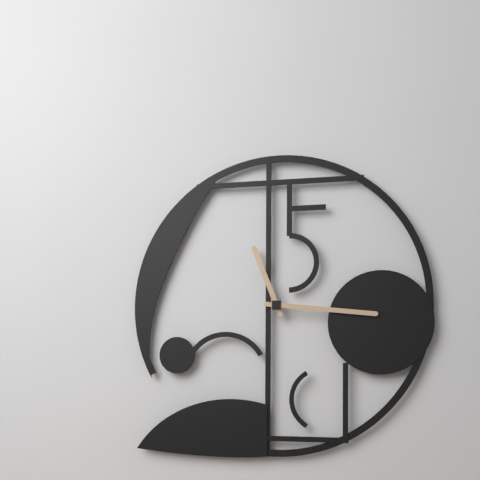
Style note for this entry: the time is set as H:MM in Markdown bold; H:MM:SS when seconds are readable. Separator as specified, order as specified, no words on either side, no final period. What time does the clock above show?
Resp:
**11:16**
